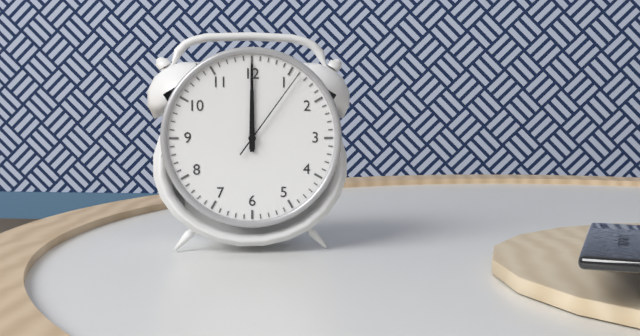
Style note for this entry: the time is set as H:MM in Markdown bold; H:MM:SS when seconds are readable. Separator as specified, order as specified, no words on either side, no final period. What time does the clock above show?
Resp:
**12:00:06**
